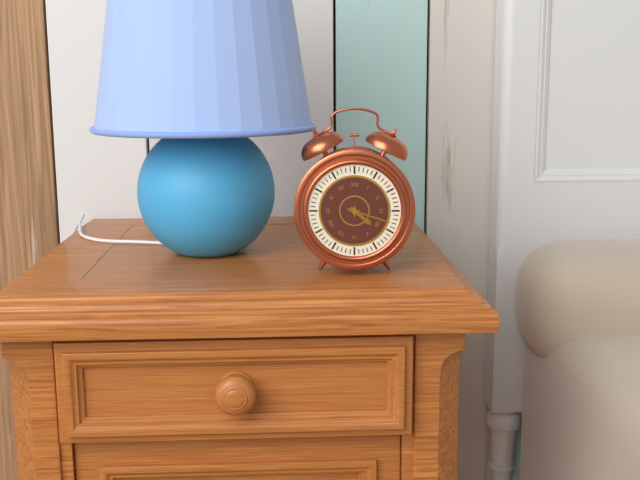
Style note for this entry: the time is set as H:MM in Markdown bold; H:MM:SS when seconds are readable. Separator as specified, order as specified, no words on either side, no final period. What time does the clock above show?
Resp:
**4:18**
